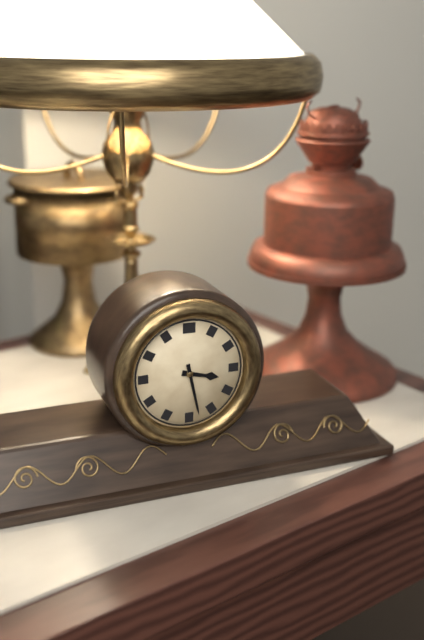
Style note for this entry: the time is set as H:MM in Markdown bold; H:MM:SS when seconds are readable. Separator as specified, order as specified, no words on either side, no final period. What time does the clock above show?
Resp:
**3:28**
